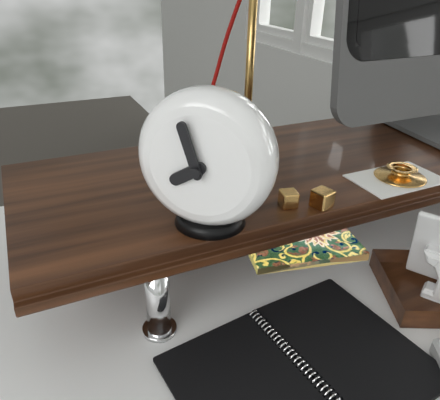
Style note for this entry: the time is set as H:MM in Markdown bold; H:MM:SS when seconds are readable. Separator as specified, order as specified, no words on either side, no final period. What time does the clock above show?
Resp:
**7:57**
